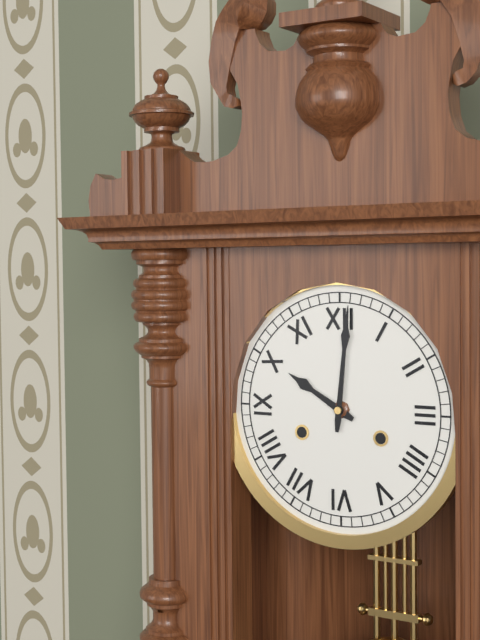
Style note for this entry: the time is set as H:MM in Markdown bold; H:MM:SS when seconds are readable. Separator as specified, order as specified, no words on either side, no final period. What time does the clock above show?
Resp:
**10:01**
